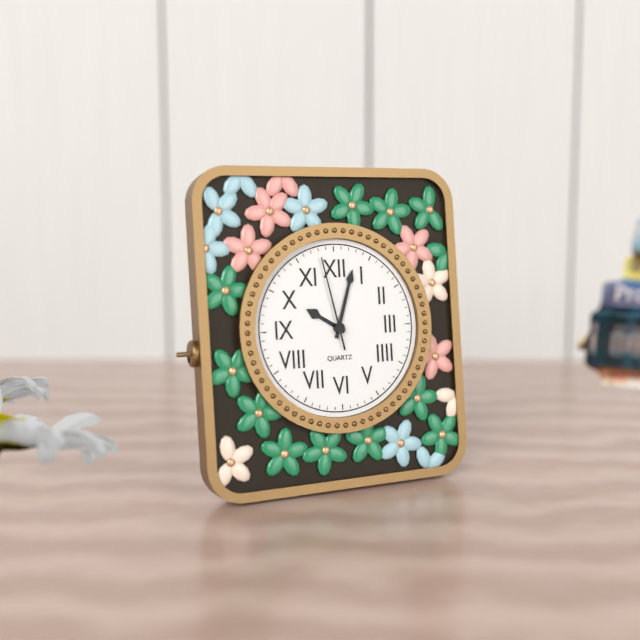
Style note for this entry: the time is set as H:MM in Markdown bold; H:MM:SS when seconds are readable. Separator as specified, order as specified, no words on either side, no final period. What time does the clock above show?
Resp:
**10:03:58**
